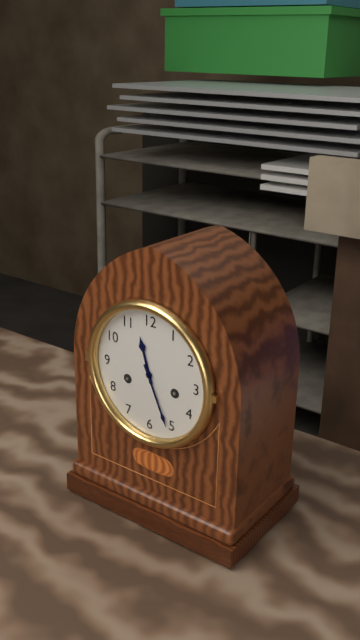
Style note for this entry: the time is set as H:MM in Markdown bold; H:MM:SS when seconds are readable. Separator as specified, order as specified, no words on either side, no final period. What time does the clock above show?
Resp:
**11:26**
